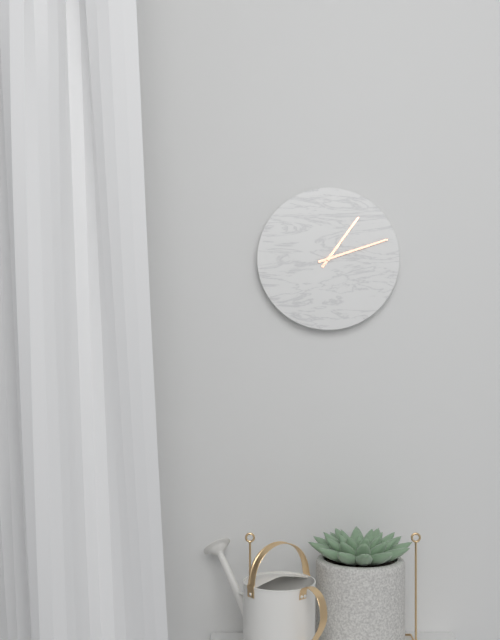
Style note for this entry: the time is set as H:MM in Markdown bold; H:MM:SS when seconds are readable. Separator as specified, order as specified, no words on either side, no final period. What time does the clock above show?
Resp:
**1:12**
